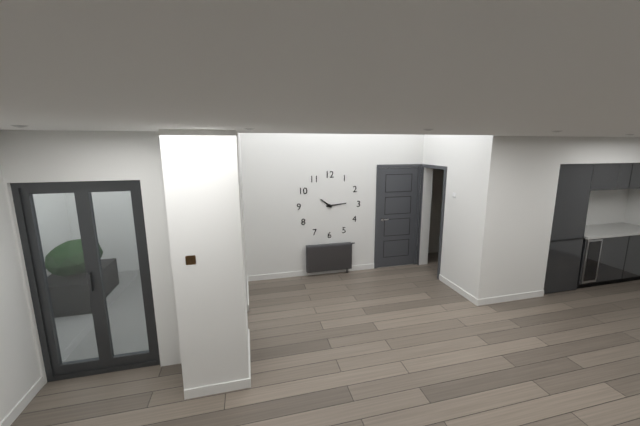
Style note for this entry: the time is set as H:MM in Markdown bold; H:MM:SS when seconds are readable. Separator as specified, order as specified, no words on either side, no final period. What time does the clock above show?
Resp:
**10:14**
